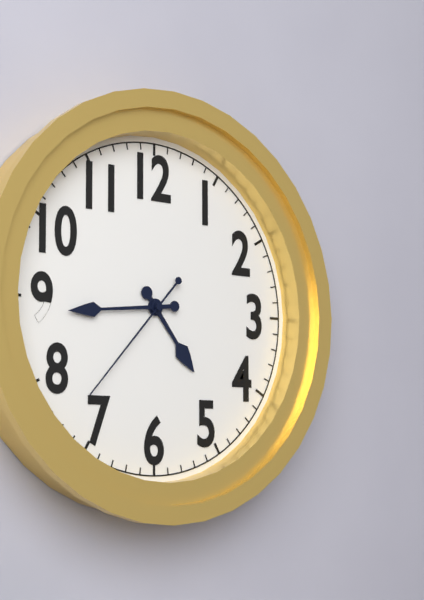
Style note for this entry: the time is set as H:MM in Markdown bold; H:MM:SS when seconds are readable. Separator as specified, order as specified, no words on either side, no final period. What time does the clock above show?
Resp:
**4:44:37**
